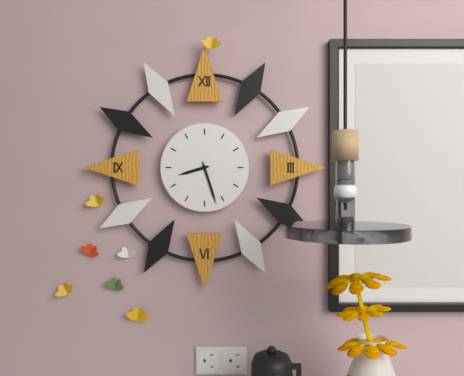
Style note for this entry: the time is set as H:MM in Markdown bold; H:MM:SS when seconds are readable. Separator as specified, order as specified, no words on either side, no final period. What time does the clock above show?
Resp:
**8:27**
